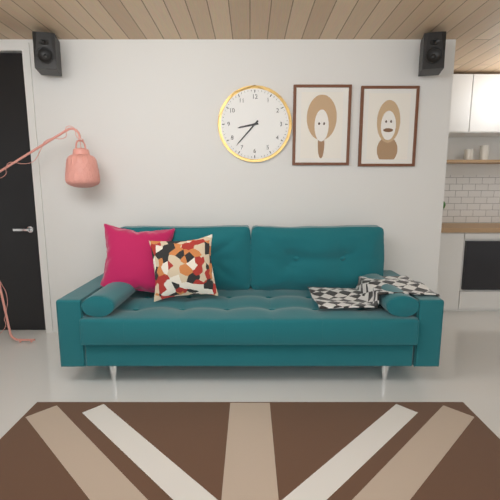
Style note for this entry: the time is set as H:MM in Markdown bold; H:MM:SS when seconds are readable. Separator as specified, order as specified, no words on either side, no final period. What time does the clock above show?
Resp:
**8:37**
